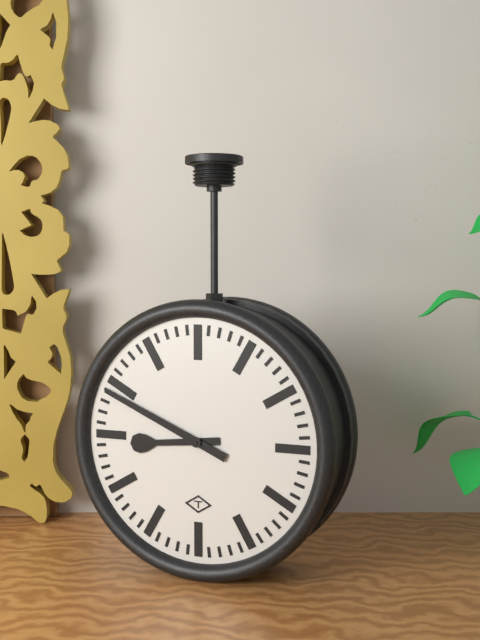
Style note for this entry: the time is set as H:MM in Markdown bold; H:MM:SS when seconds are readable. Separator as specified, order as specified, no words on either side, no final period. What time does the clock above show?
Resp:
**8:49**
